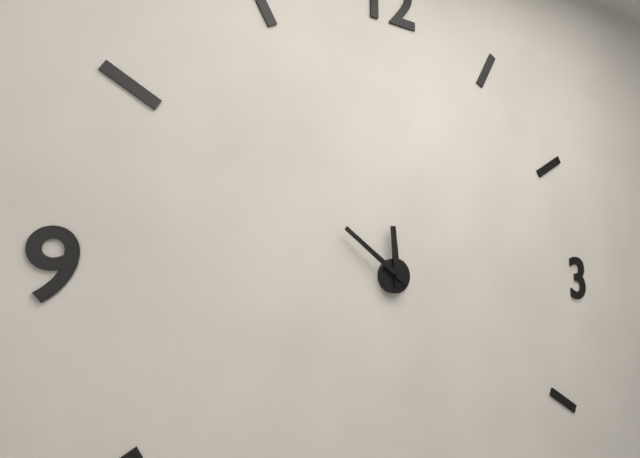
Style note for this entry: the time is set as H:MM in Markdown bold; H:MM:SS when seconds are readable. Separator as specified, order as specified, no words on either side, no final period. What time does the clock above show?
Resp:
**11:51**
